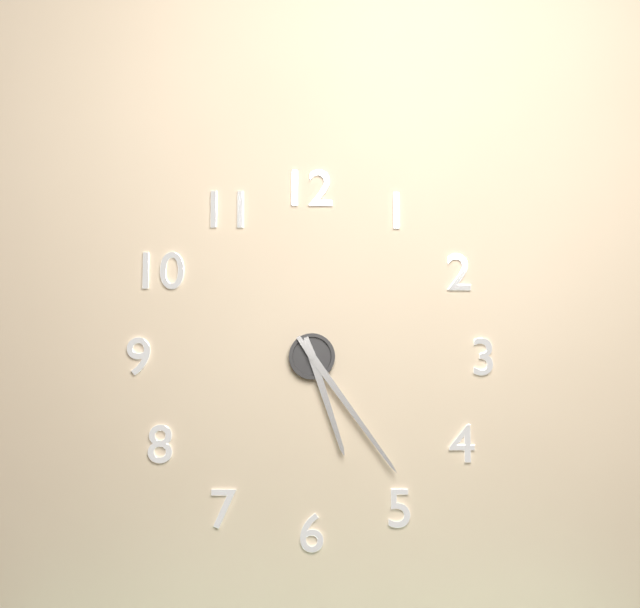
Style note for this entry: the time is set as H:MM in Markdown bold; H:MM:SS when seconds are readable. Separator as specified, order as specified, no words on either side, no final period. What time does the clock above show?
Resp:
**5:24**
